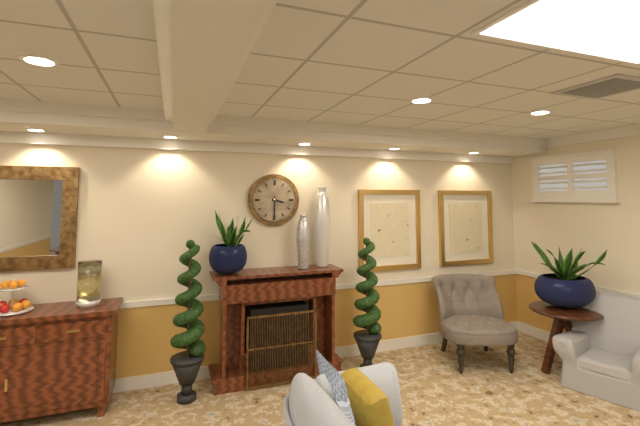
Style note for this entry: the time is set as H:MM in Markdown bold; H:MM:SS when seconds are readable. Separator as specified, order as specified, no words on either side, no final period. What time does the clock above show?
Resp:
**3:30**
